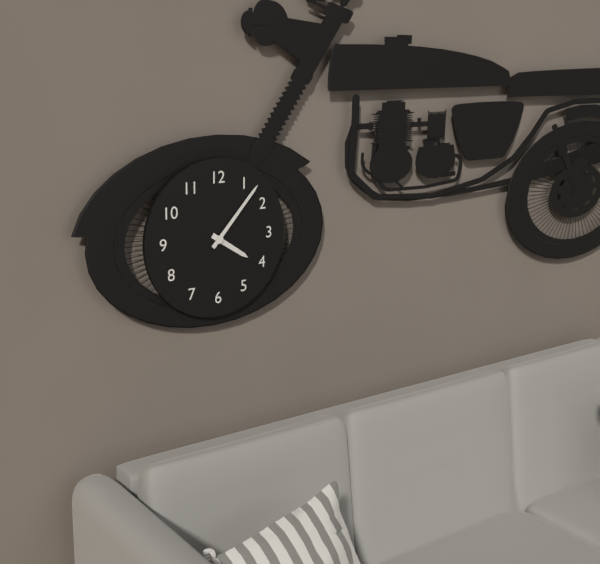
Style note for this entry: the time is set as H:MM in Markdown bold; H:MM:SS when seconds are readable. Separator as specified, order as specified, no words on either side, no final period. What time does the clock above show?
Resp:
**4:07**
